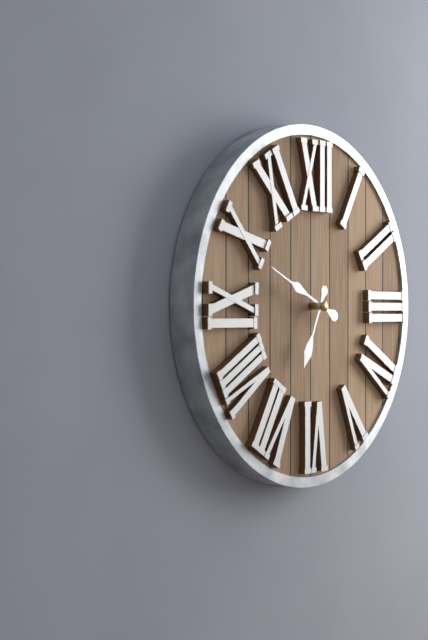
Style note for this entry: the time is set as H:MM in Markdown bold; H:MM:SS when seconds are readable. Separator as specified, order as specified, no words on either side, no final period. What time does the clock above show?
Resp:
**6:49**
